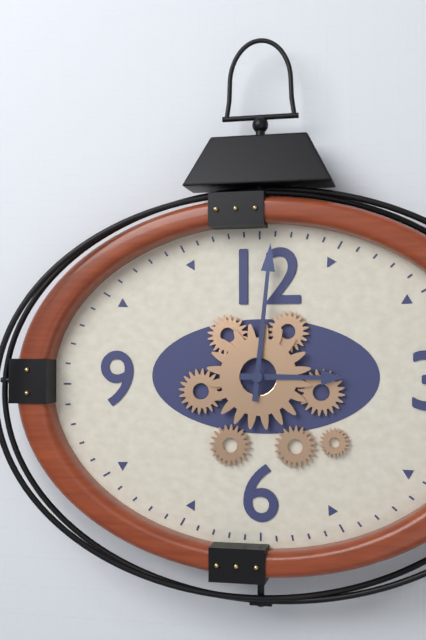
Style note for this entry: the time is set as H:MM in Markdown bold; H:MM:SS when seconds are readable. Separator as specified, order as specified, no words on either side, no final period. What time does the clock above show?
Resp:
**3:01**
